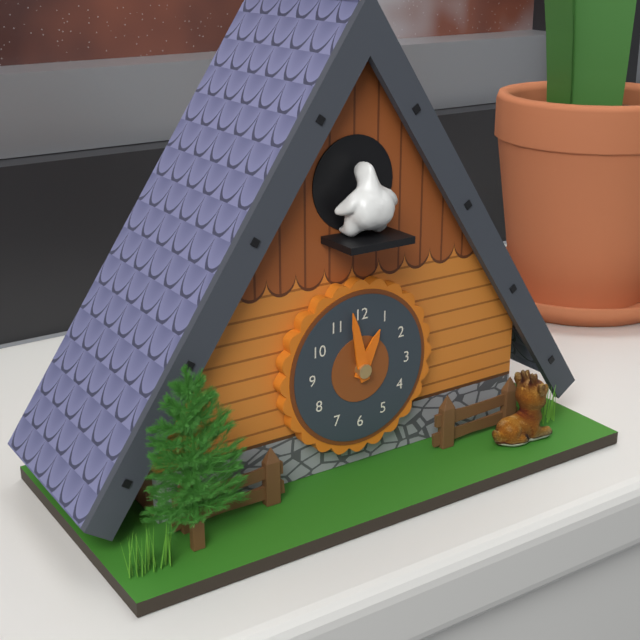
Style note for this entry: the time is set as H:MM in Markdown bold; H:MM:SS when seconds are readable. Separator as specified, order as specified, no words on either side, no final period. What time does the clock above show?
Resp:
**12:58**
